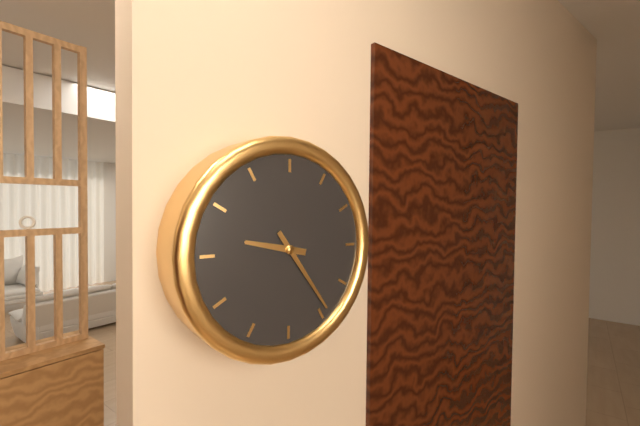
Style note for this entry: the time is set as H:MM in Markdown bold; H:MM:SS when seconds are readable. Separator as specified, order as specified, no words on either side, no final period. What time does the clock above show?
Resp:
**9:24**
